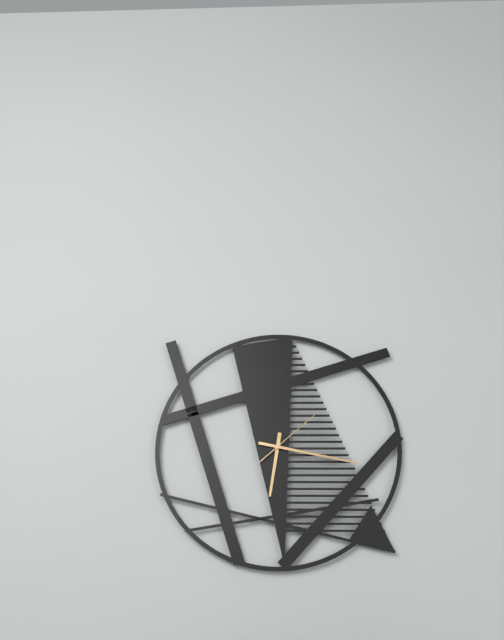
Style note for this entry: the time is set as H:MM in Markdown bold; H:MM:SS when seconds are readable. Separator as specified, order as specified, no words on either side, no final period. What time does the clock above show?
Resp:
**6:17:08**
